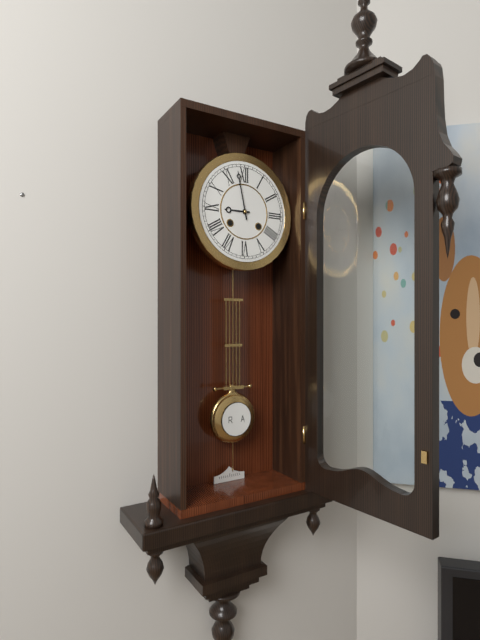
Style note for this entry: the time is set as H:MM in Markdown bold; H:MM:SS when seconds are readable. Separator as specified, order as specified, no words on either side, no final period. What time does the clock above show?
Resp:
**8:58**
